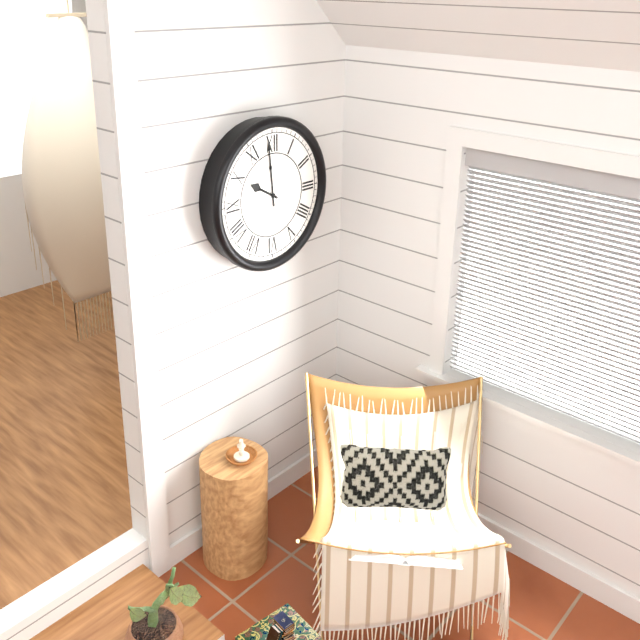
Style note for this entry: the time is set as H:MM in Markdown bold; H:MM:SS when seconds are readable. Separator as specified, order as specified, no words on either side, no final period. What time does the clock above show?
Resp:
**9:59**
